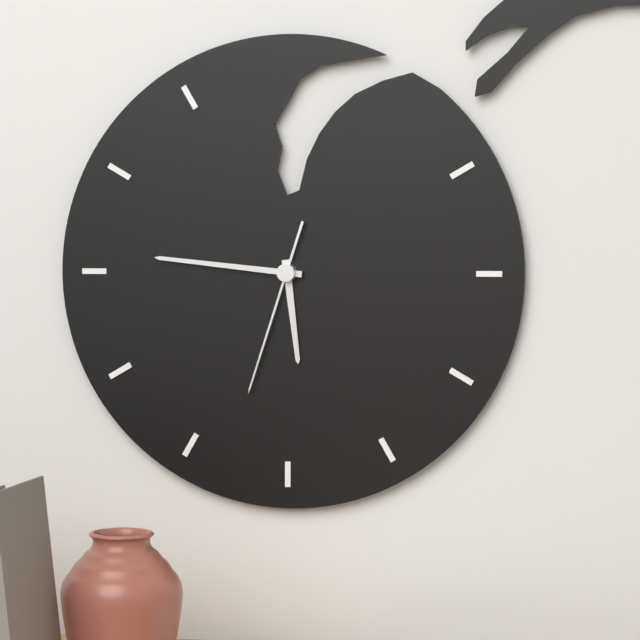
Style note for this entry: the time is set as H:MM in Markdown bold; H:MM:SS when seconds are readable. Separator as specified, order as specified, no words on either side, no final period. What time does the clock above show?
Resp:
**5:46:33**
